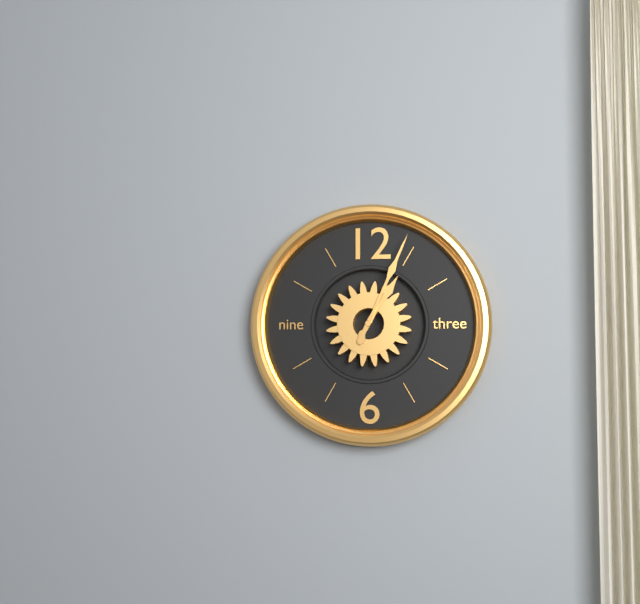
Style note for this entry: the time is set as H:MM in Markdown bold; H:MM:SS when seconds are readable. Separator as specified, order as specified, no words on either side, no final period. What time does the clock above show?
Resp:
**1:04**
